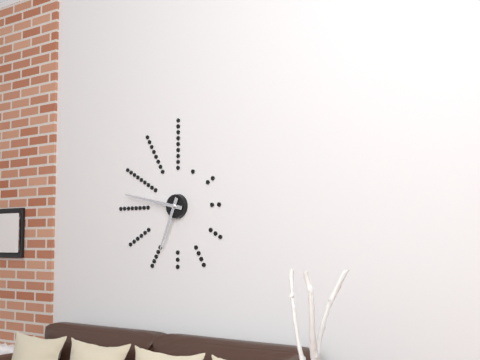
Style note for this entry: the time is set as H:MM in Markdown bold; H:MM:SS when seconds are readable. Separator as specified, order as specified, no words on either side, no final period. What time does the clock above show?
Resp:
**6:47**
